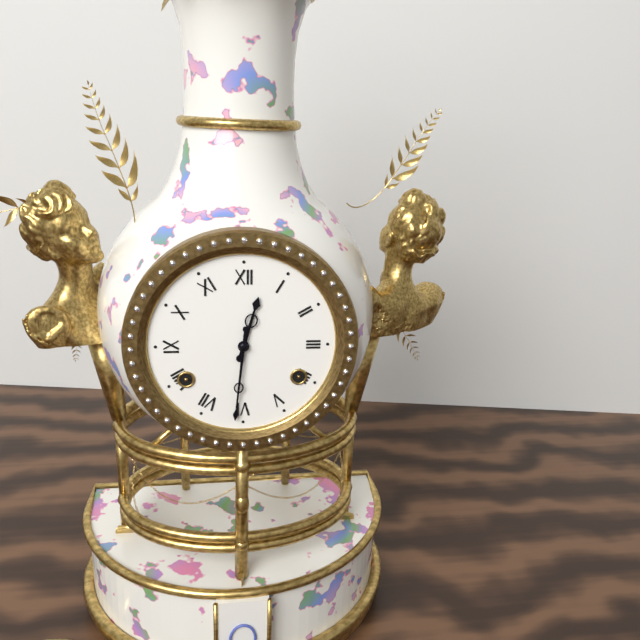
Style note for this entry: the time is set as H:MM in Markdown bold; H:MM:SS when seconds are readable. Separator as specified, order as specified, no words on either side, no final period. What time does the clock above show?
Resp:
**12:31**
